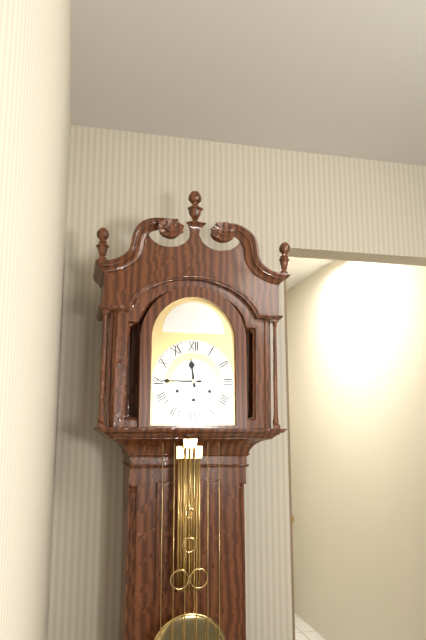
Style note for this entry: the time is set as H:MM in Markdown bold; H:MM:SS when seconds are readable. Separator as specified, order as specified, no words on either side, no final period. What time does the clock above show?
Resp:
**11:45**
